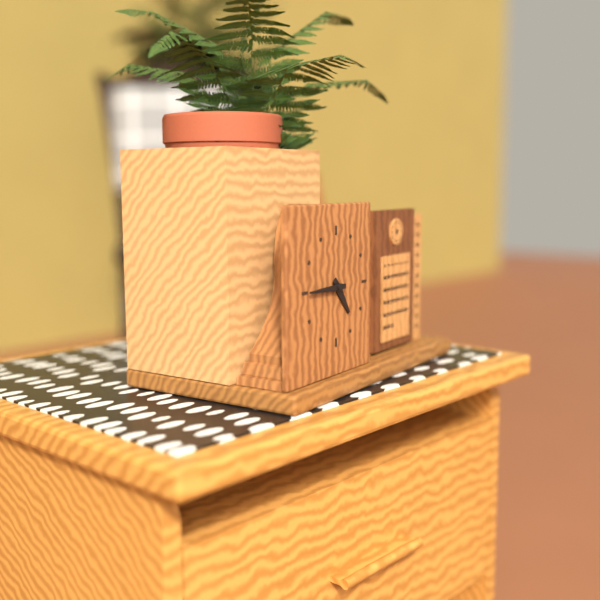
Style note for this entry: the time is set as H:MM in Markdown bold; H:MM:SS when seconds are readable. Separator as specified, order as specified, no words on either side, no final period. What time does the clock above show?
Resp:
**4:45**
